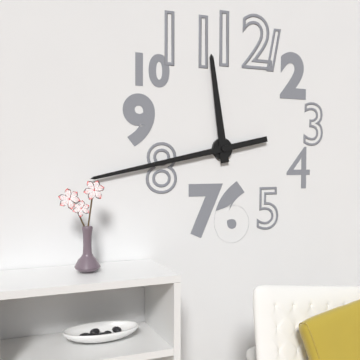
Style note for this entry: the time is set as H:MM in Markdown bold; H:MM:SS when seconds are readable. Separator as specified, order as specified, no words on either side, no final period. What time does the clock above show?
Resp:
**11:43**
